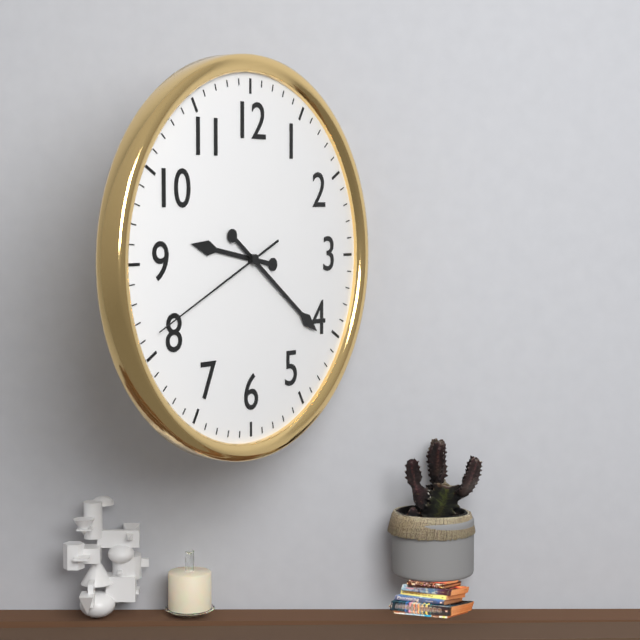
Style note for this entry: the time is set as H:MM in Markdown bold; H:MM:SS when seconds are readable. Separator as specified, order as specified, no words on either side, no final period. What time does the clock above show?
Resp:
**9:21:41**
